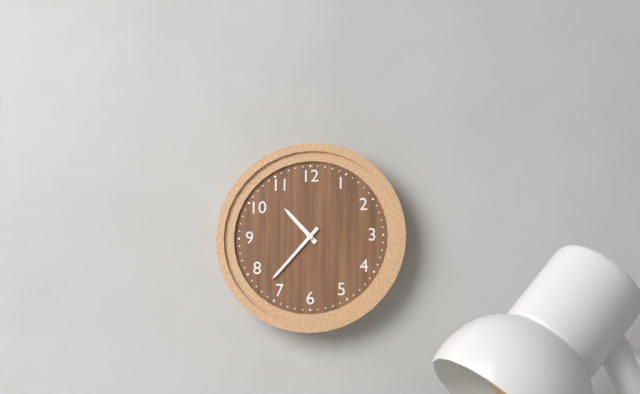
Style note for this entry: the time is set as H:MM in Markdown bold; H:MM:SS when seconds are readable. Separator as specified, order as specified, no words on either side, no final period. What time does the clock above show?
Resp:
**10:37**
